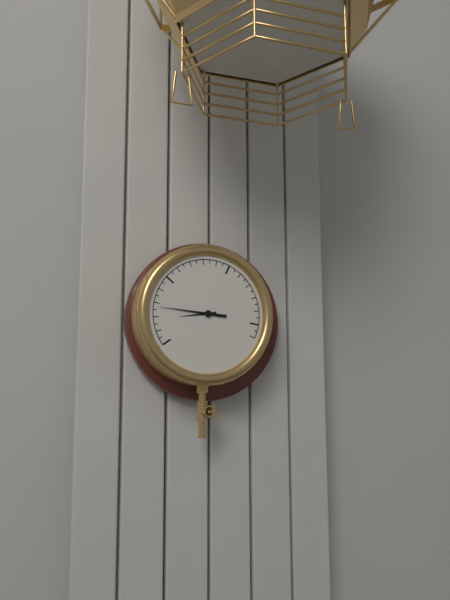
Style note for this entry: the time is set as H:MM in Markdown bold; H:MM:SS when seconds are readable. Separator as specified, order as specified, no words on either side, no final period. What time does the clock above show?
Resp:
**8:46**
